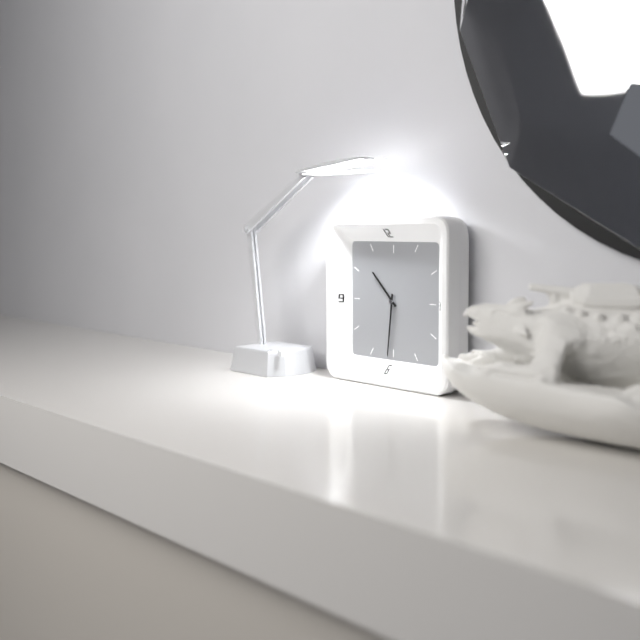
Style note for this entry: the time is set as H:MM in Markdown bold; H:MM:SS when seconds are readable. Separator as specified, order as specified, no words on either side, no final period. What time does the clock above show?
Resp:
**10:31**
